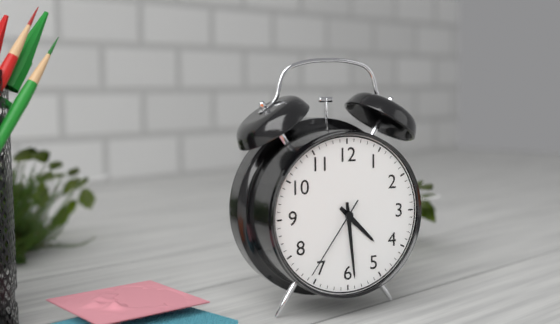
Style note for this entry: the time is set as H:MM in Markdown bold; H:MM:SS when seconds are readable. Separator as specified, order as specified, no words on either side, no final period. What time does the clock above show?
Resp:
**4:29:36**
